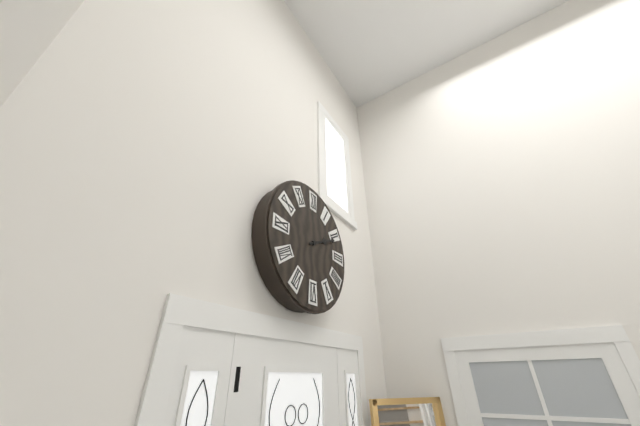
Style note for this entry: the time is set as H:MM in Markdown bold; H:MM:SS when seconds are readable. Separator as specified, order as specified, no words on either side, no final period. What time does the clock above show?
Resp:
**2:11**
